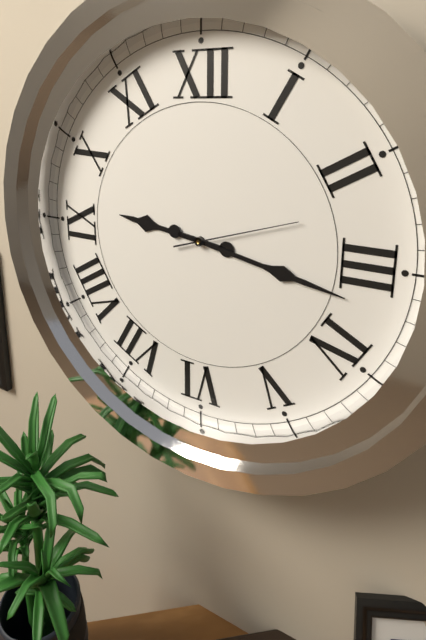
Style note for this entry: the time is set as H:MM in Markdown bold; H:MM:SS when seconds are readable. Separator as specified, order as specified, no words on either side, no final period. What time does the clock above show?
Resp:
**9:17:12**
